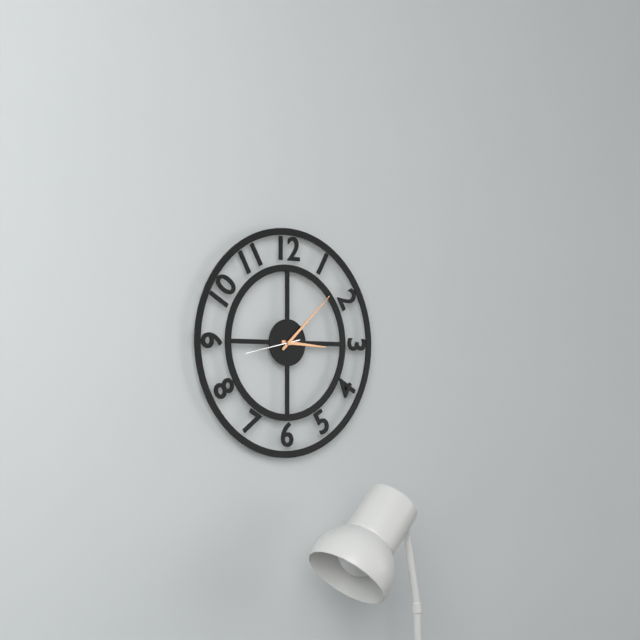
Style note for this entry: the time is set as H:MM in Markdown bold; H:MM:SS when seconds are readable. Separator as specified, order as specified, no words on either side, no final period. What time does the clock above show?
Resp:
**3:08:43**
